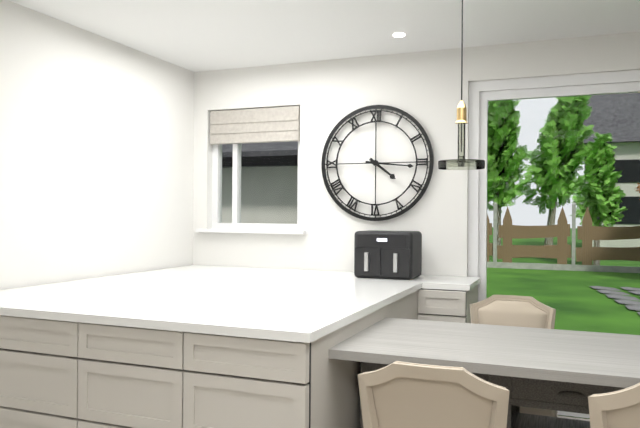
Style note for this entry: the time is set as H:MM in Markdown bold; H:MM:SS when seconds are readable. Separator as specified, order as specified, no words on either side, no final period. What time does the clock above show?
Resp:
**4:16**
